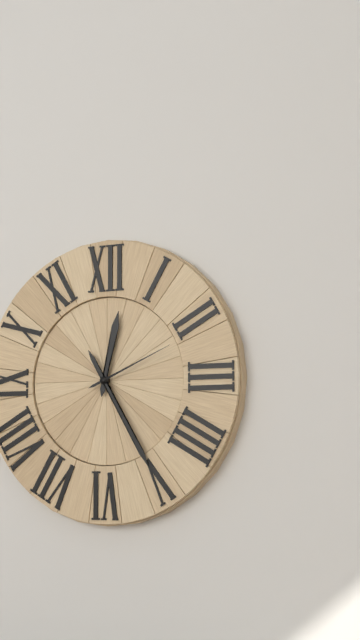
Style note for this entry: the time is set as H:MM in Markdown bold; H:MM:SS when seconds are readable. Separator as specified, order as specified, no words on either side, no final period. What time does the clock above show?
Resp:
**12:25:11**
